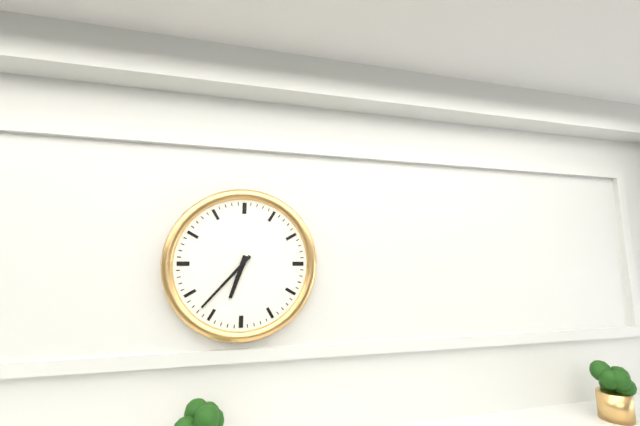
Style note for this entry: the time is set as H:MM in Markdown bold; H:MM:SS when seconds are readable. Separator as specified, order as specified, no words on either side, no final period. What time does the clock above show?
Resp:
**6:37**
